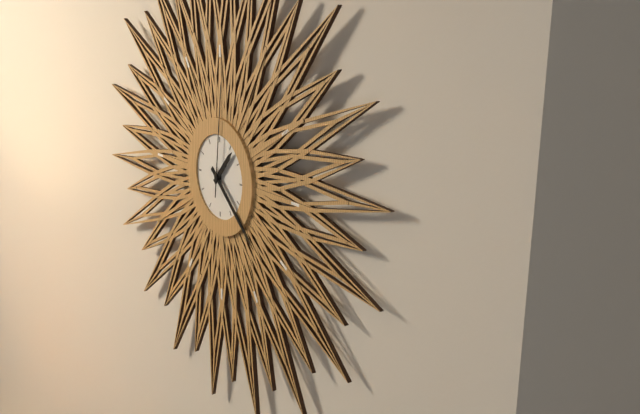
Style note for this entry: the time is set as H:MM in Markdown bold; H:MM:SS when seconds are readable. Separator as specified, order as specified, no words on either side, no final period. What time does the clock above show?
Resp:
**1:22:01**
